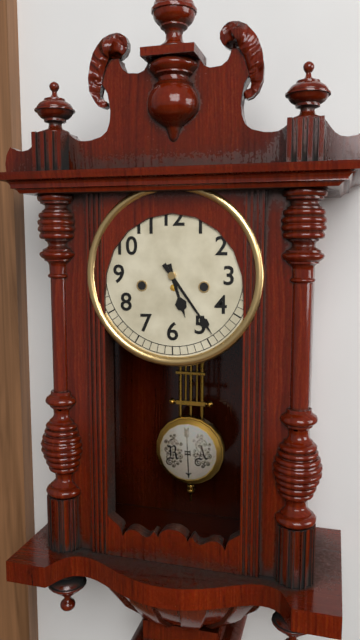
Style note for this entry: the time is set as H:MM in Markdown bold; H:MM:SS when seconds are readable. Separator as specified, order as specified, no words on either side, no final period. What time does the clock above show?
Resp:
**5:24**
